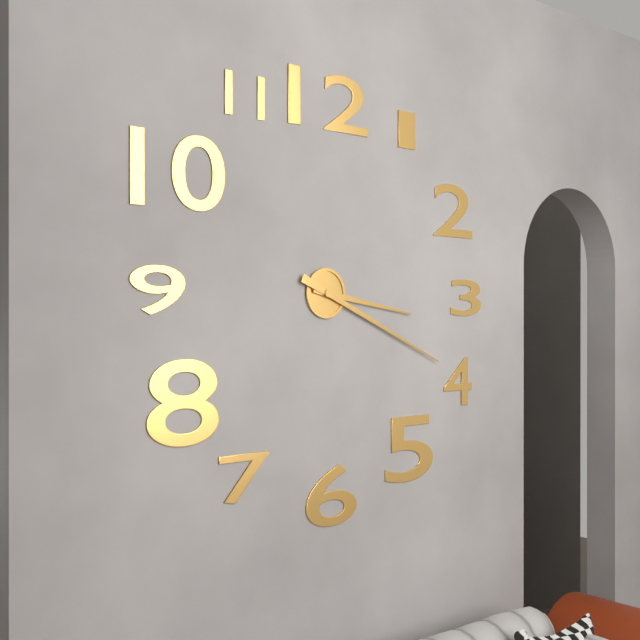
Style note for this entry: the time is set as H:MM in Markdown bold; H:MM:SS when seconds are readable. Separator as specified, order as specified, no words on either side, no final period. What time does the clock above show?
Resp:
**3:19**
